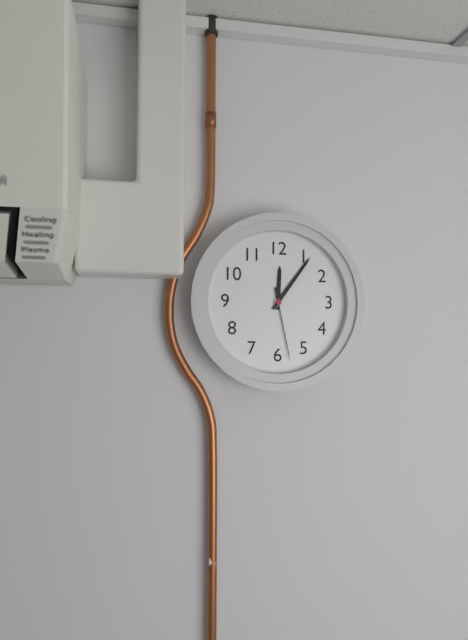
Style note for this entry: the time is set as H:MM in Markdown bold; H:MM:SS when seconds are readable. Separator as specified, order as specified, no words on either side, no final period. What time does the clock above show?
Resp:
**12:06:28**
